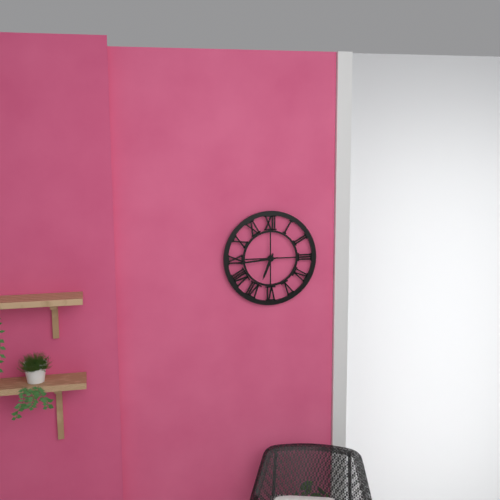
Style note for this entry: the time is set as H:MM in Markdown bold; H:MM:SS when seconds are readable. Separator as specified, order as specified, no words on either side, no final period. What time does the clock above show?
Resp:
**6:44**
